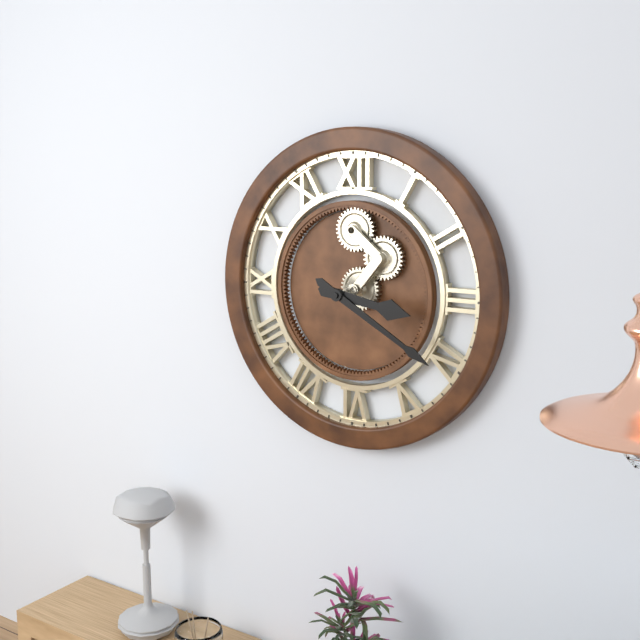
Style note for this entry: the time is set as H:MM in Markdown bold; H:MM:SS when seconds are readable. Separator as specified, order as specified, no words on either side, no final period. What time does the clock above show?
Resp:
**3:20**
